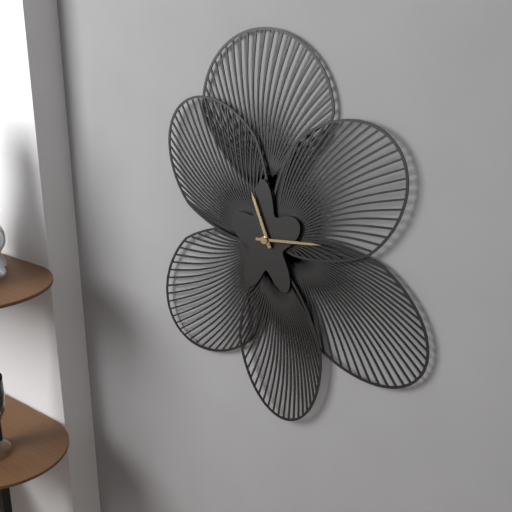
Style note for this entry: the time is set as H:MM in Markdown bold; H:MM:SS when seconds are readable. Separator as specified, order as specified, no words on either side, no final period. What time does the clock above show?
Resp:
**11:14**
